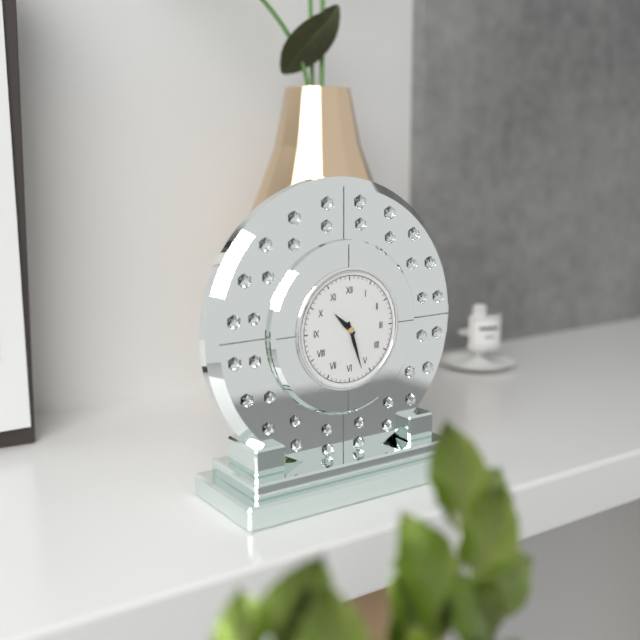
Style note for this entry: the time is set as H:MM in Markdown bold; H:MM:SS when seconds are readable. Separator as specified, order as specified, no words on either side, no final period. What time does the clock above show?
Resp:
**10:27**
